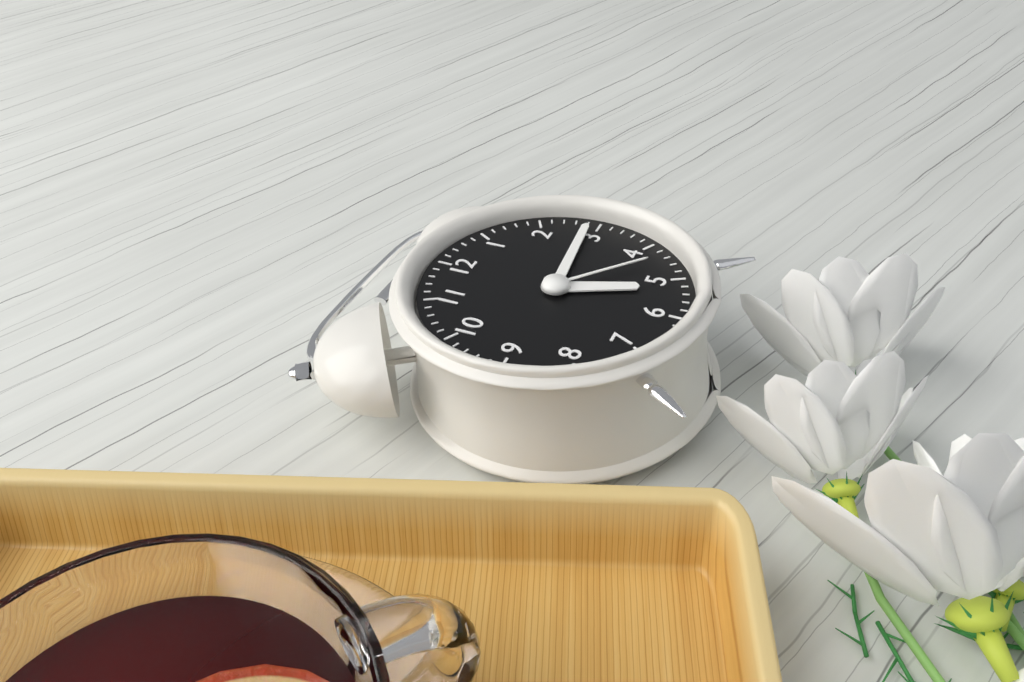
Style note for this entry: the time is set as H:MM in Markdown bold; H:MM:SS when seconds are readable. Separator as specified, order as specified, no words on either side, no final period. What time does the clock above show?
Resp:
**5:14:22**
